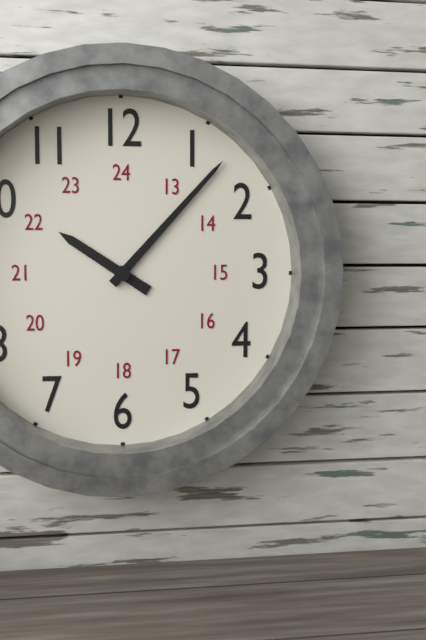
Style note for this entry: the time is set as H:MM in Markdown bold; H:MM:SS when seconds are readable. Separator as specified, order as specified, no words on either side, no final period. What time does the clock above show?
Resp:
**10:07**
